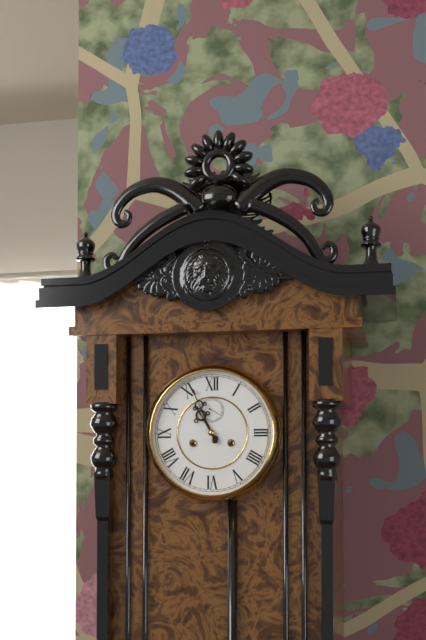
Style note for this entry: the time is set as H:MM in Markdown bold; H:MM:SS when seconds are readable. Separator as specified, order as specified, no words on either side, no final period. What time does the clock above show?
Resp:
**10:56**
